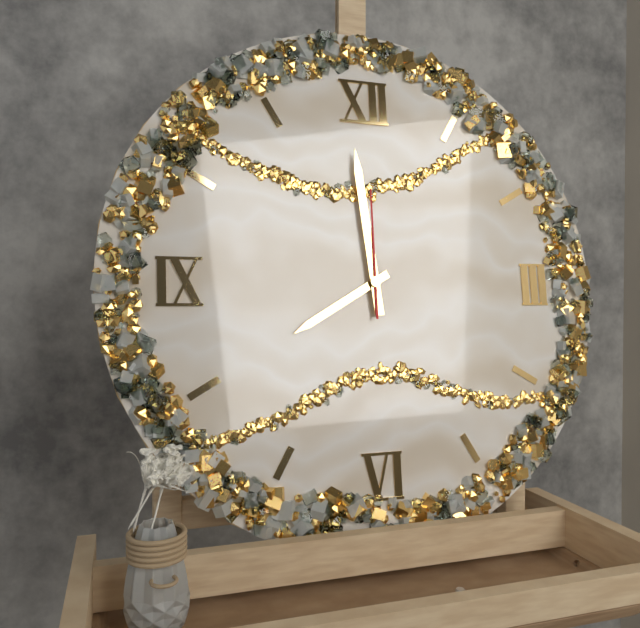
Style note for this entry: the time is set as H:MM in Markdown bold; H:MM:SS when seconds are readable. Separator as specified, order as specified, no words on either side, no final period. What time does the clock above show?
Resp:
**7:59:00**
